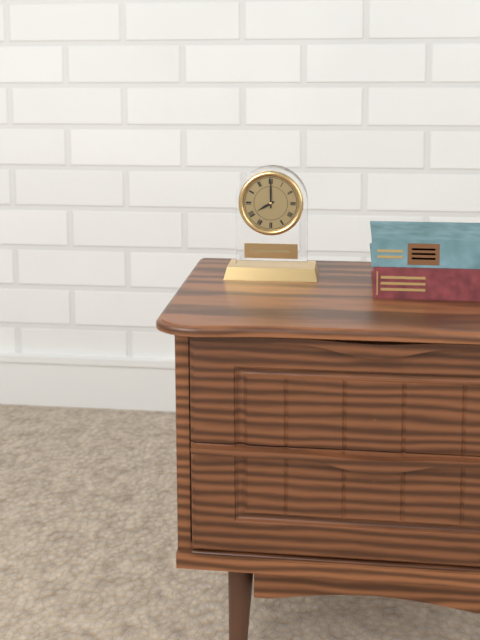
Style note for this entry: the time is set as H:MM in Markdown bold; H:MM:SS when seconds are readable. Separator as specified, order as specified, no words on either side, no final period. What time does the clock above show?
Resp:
**8:00**
